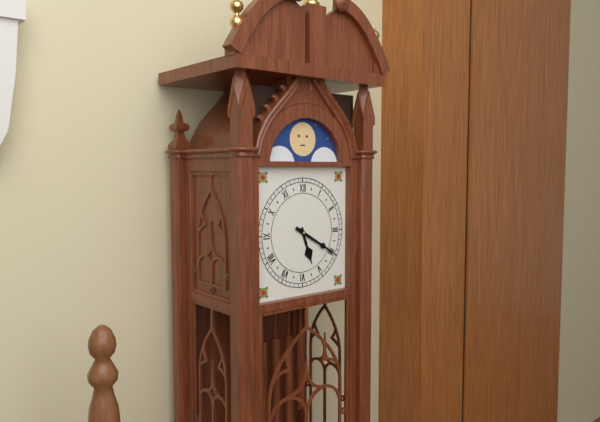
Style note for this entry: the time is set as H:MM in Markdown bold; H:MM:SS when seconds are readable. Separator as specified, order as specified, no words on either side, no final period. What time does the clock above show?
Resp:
**5:20**
